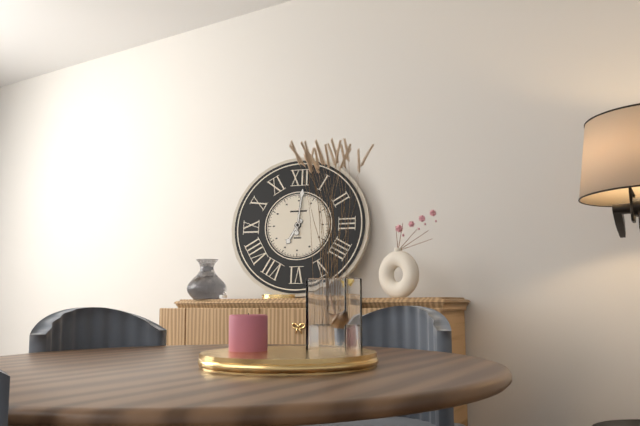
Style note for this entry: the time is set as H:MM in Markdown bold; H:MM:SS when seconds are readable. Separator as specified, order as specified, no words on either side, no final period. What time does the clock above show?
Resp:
**7:01**
